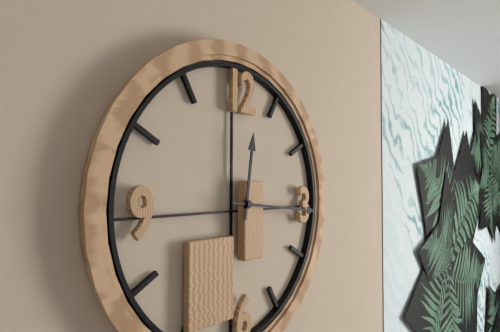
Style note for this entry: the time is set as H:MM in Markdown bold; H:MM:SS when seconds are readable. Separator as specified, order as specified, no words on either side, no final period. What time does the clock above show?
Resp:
**12:16**
